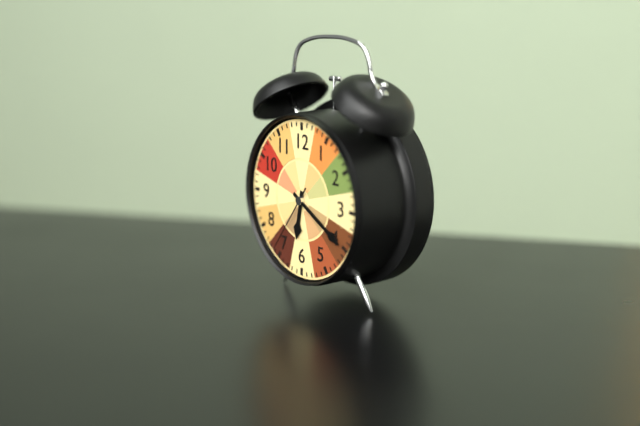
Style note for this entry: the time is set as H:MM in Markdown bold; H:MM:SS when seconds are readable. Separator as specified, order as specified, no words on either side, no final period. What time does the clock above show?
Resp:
**6:20:36**
